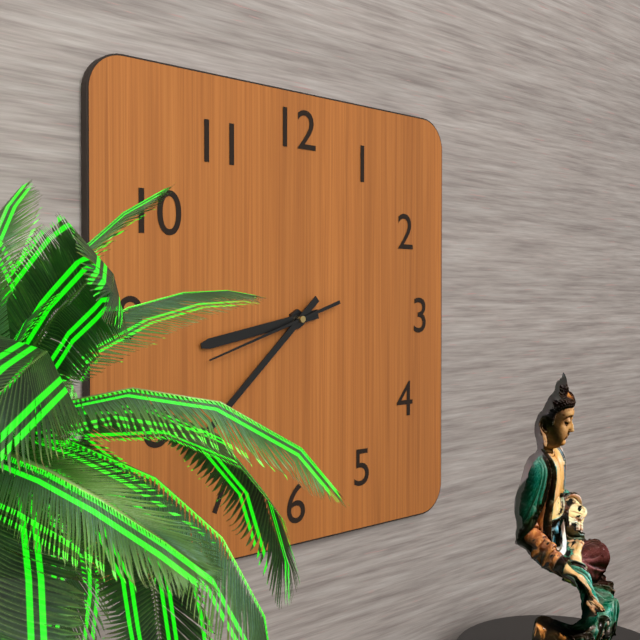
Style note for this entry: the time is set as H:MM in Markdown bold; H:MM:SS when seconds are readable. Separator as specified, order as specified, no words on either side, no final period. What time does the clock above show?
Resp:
**8:38:42**
